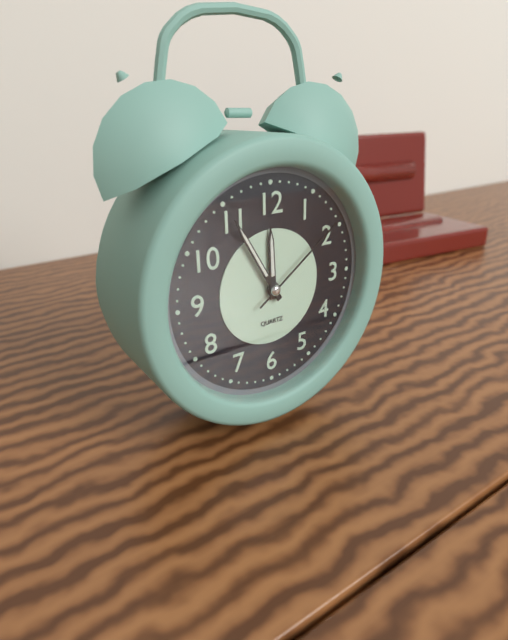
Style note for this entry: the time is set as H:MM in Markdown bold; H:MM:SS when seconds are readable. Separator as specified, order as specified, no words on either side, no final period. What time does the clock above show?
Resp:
**11:55:09**
